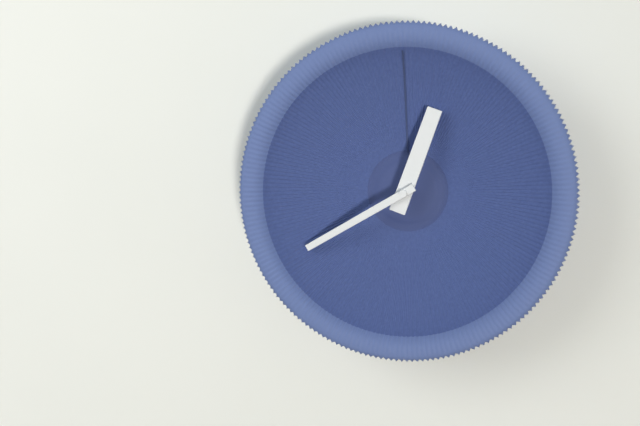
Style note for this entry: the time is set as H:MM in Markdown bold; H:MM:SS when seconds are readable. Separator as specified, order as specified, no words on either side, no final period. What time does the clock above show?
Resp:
**12:40**
